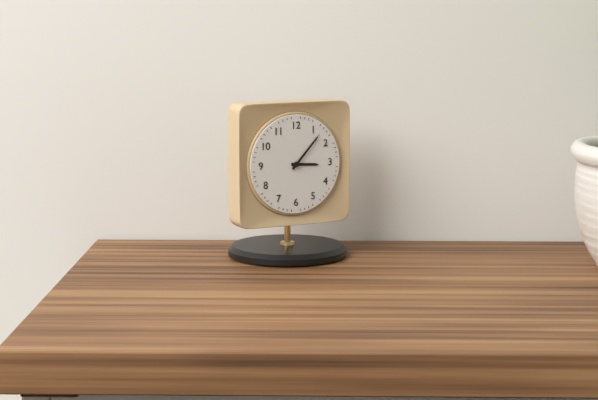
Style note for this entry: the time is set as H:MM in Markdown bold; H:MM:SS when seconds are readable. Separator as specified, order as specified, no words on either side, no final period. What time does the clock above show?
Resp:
**3:07**
